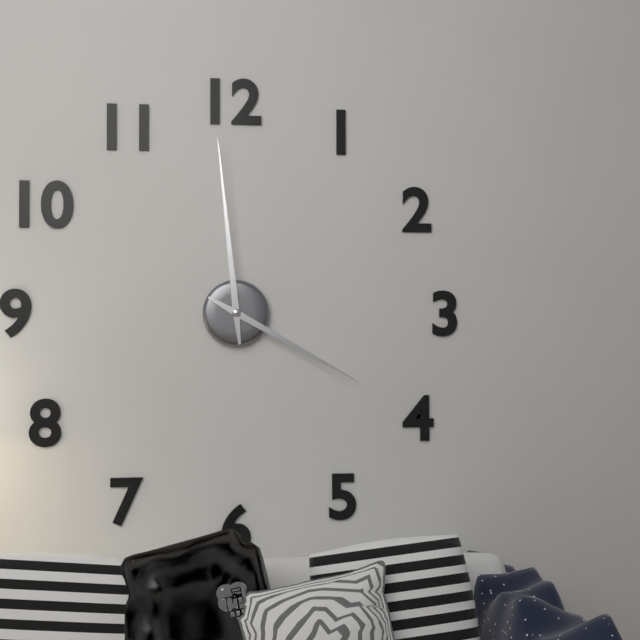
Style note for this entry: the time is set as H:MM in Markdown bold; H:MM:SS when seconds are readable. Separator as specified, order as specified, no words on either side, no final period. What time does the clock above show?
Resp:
**3:59**
